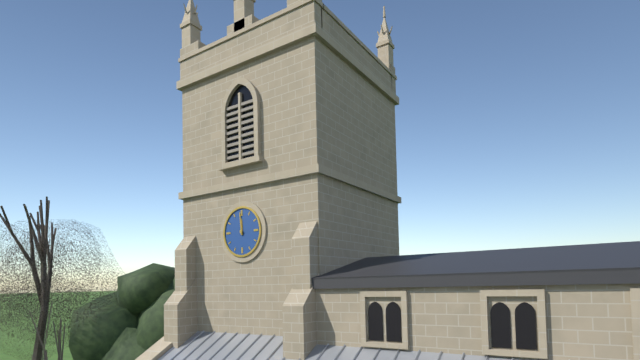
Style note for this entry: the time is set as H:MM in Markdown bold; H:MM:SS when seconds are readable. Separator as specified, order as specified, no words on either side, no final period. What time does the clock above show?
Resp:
**11:59**
